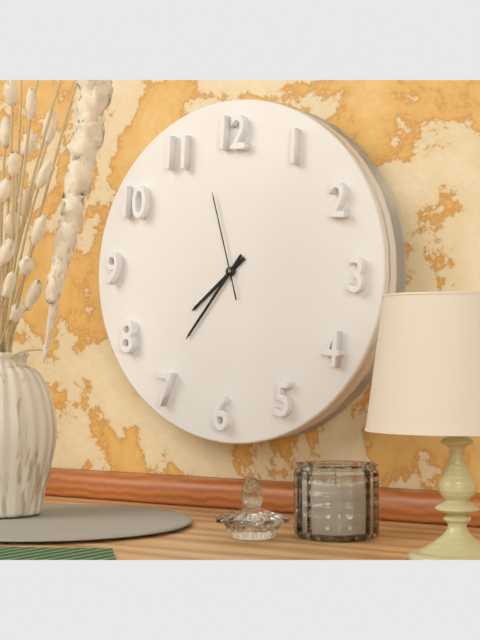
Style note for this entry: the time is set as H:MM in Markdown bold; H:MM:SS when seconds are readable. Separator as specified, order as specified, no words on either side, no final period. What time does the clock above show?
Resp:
**7:36:57**
